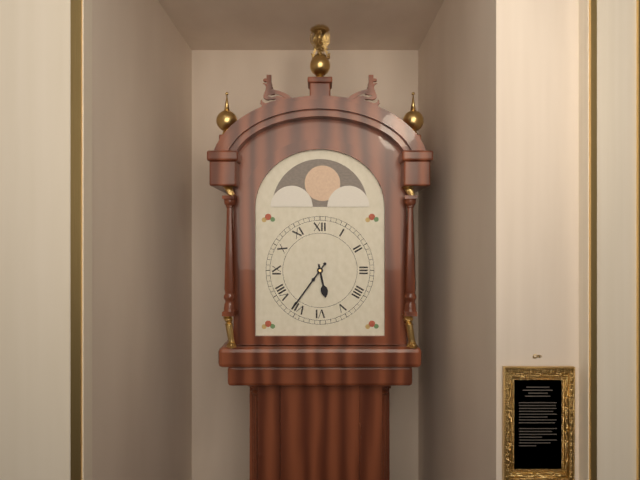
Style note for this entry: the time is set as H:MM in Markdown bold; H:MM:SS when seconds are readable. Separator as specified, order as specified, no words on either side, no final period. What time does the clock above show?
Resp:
**5:36**
